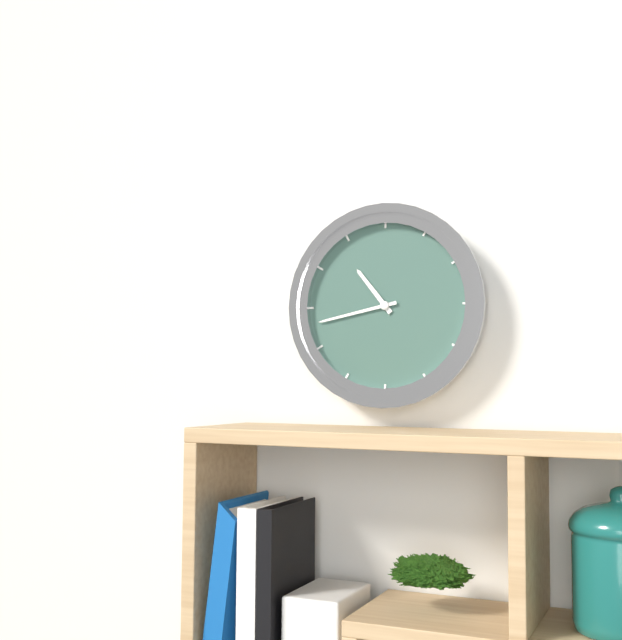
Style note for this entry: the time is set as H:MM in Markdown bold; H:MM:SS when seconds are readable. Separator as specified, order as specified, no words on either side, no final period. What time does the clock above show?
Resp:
**10:43**
